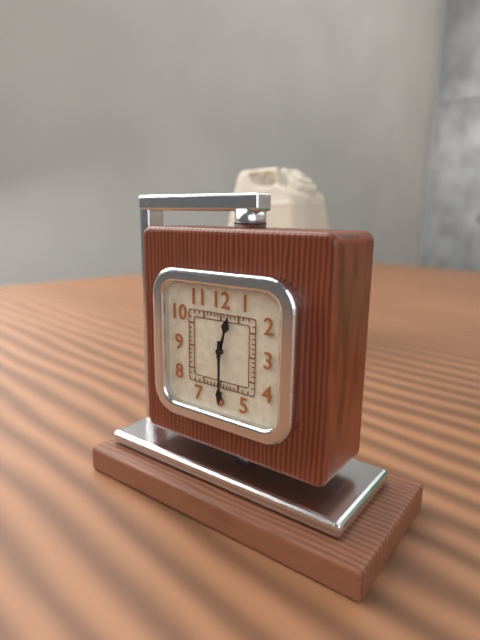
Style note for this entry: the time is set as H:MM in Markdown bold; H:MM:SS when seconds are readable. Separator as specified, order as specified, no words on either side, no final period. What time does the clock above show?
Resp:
**12:30**
